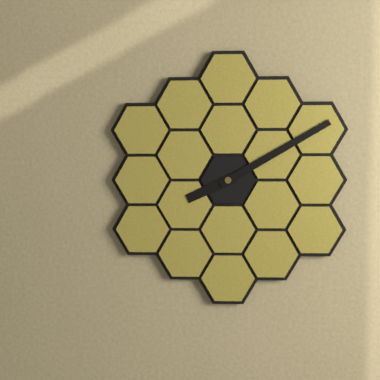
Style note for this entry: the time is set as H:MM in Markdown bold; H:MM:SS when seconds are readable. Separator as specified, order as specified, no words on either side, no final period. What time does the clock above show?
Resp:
**8:10**
